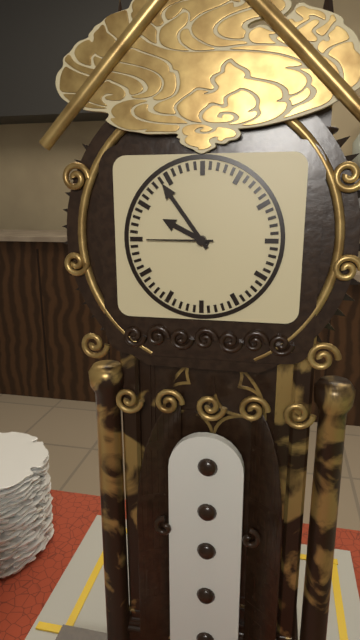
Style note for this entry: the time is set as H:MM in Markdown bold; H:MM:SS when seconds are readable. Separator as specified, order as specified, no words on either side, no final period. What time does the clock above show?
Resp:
**9:54:45**
